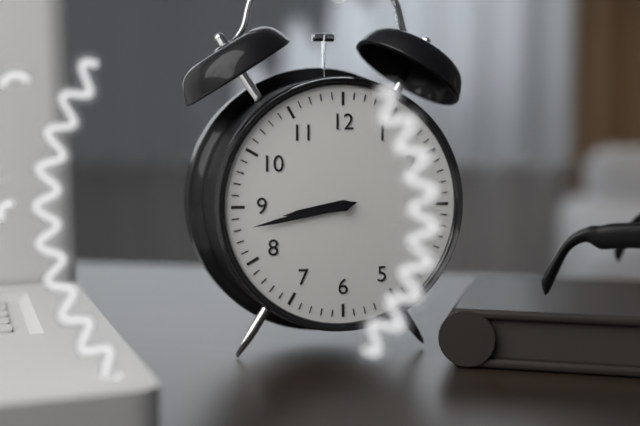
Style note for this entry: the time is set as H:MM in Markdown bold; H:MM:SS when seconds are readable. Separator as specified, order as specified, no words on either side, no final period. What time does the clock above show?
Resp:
**8:43**
